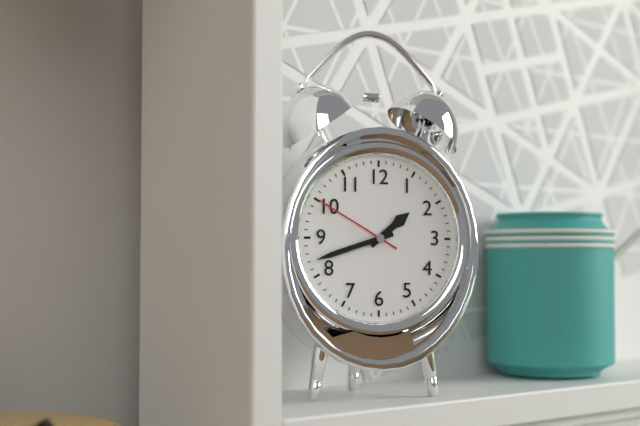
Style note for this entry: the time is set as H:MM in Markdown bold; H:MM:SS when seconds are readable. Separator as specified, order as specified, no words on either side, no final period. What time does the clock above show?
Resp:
**1:42:50**
